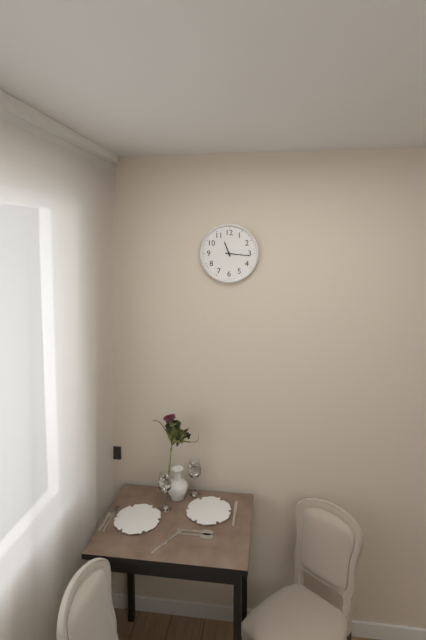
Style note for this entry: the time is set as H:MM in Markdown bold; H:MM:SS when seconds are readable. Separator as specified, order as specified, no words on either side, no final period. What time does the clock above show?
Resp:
**11:16**
